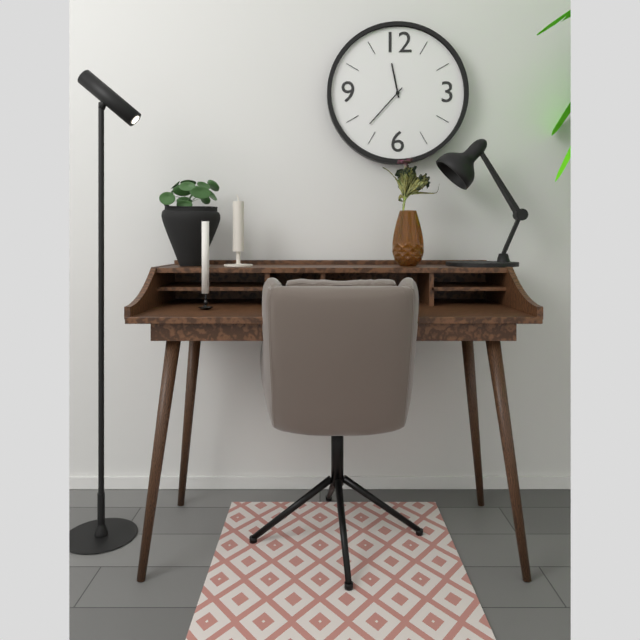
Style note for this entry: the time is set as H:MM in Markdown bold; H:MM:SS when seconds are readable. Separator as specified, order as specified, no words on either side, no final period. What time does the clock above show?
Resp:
**11:37**
